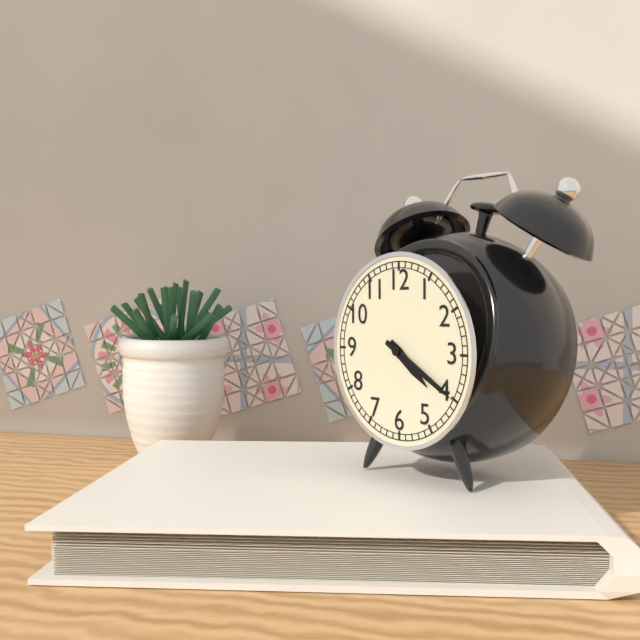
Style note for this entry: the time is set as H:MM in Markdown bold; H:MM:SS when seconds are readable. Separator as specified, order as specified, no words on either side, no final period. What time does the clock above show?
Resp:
**4:20**
